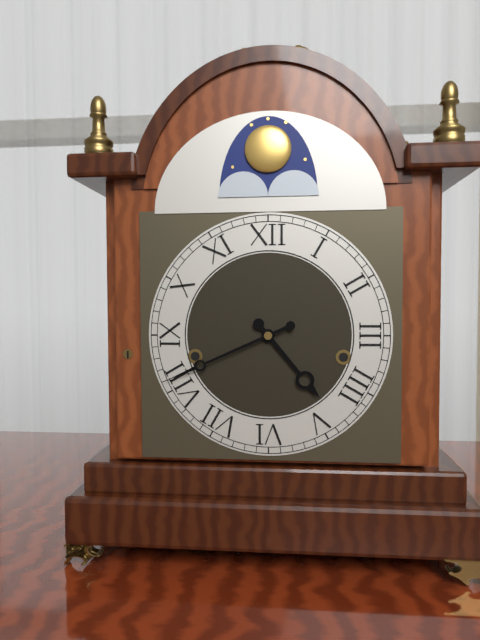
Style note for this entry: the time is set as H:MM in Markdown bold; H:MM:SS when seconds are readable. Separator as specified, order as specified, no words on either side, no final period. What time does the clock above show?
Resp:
**4:41**
